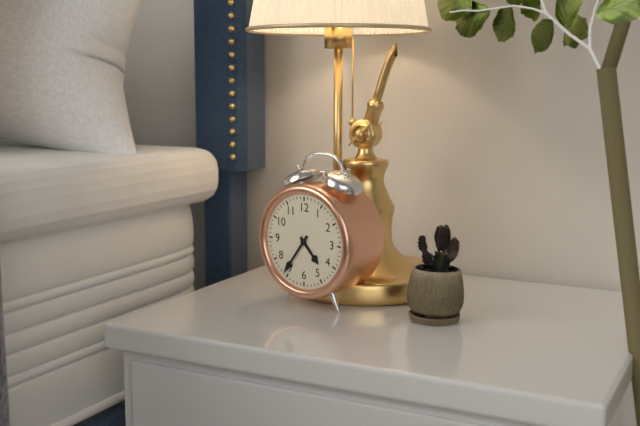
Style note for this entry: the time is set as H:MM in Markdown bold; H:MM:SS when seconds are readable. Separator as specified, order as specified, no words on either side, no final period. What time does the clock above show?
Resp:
**4:36**
